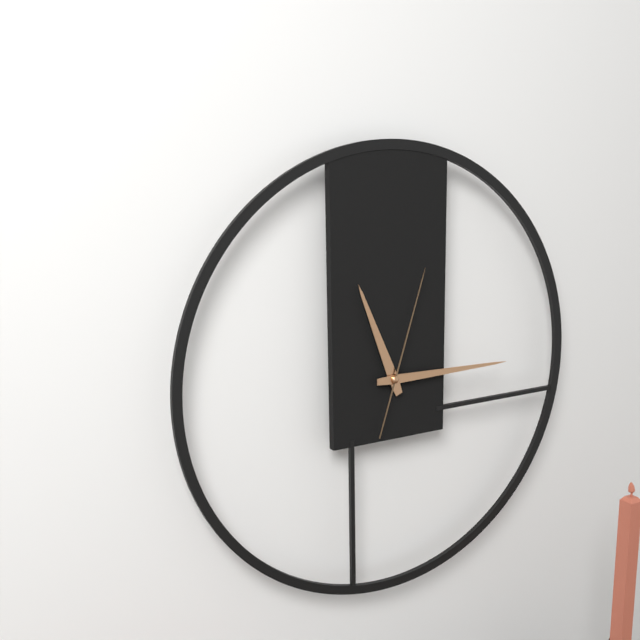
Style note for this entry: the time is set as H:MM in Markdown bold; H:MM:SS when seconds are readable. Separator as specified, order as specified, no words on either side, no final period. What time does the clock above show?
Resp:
**11:15:03**
